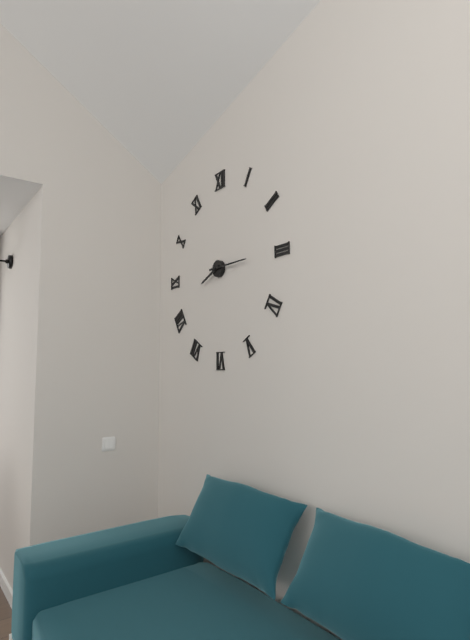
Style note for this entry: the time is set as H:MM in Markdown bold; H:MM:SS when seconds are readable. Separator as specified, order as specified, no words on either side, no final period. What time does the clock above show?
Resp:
**8:15**
